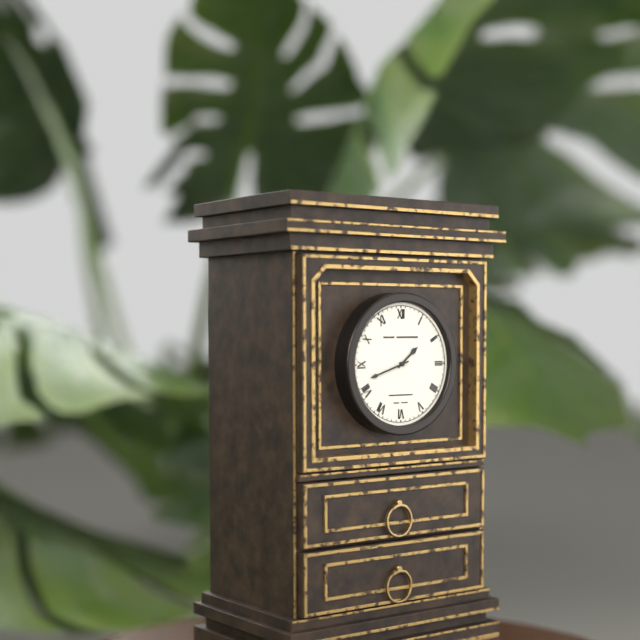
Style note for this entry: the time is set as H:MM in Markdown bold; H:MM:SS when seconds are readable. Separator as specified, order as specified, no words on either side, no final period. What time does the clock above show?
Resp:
**1:42**
